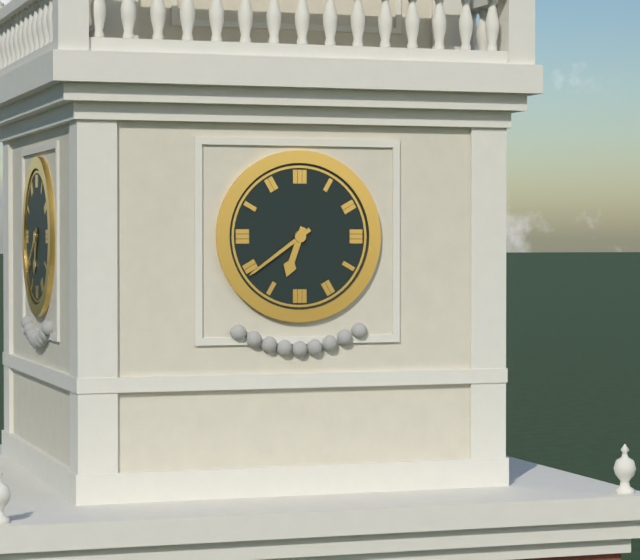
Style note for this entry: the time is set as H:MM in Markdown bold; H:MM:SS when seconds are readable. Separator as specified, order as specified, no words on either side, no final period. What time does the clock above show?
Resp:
**6:39**
